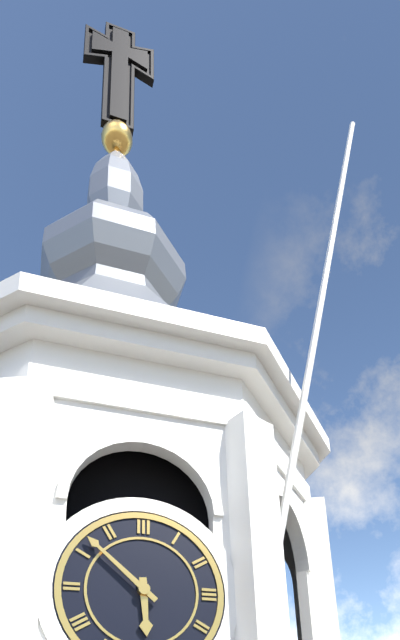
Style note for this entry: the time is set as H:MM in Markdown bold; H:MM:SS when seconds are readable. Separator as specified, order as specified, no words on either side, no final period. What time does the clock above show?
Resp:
**5:52**
